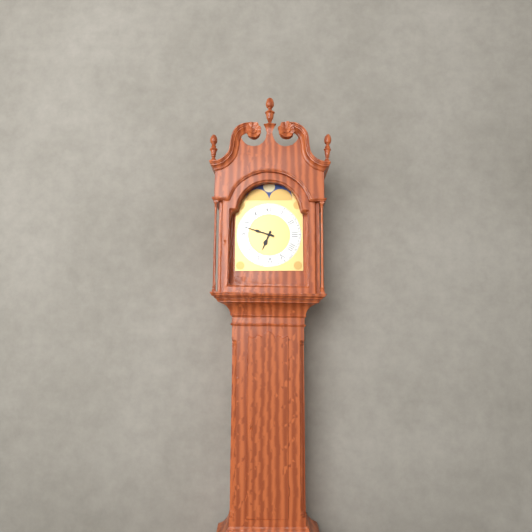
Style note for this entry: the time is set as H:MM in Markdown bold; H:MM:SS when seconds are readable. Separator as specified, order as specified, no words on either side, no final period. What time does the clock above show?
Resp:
**6:48**
